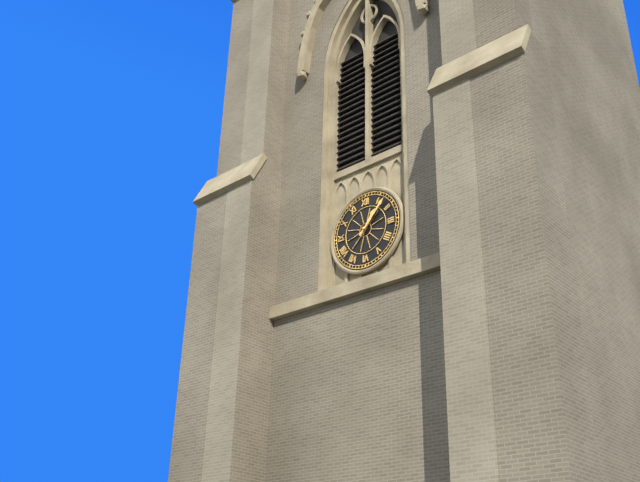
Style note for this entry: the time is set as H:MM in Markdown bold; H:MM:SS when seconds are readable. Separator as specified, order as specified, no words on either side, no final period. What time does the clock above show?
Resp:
**1:07**
